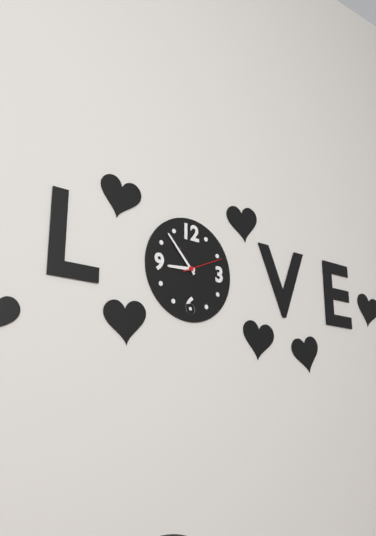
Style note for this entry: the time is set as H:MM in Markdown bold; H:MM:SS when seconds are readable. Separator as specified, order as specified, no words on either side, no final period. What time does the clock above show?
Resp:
**8:53**
